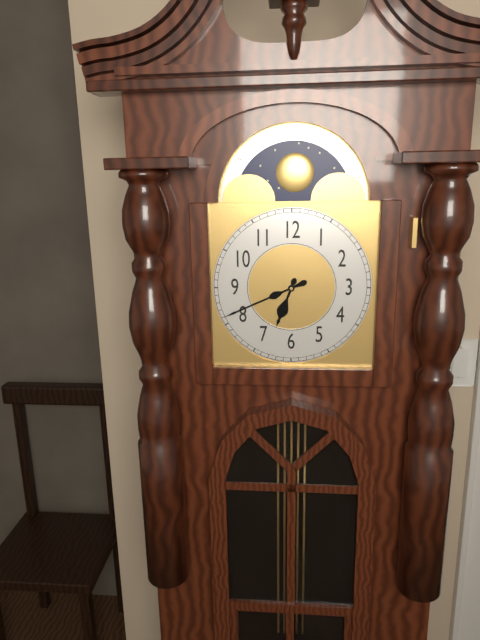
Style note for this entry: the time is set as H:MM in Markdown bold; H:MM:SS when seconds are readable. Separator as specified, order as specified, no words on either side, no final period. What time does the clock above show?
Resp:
**6:41**
